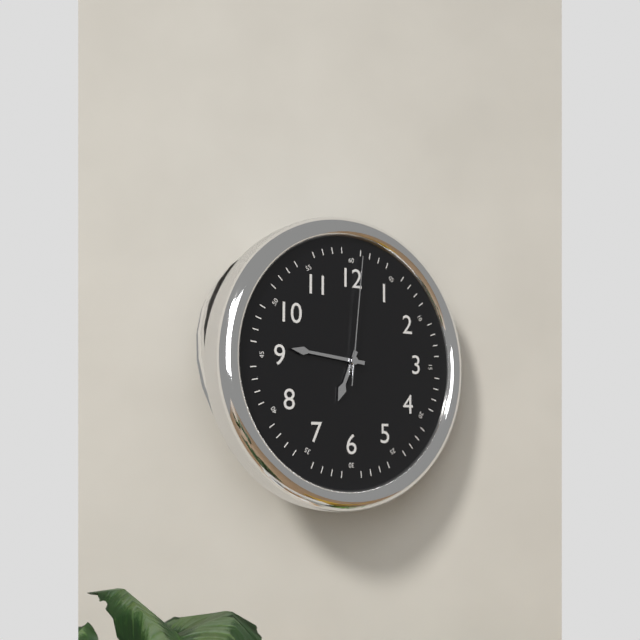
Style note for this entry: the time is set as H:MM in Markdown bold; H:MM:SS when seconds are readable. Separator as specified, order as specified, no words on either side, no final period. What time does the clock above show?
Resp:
**6:46:01**
